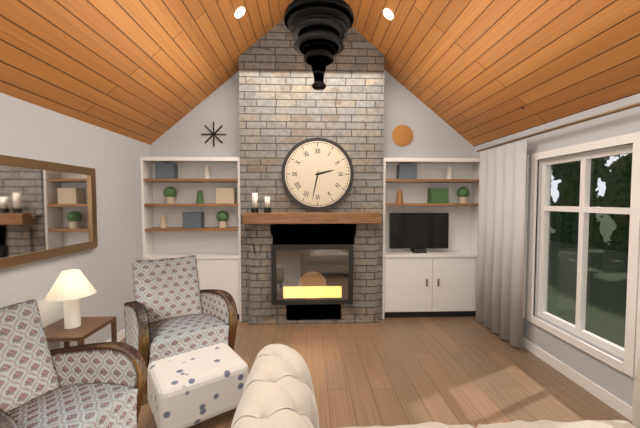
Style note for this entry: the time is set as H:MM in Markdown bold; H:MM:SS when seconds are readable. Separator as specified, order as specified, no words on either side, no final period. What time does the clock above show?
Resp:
**2:32**
